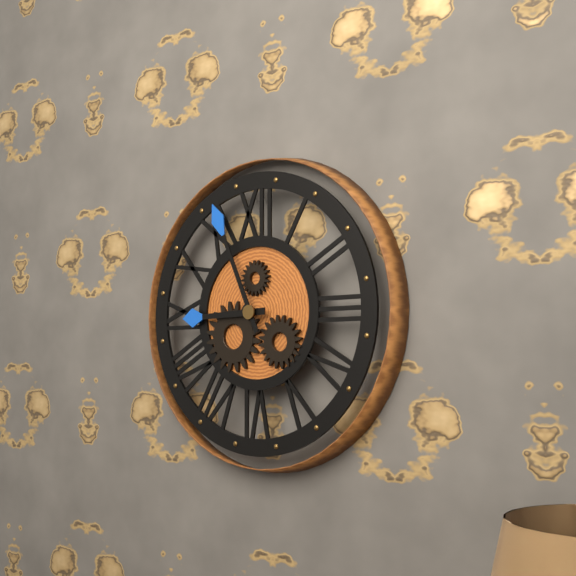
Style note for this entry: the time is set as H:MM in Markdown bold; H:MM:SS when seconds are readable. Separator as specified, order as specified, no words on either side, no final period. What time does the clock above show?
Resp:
**8:56**
